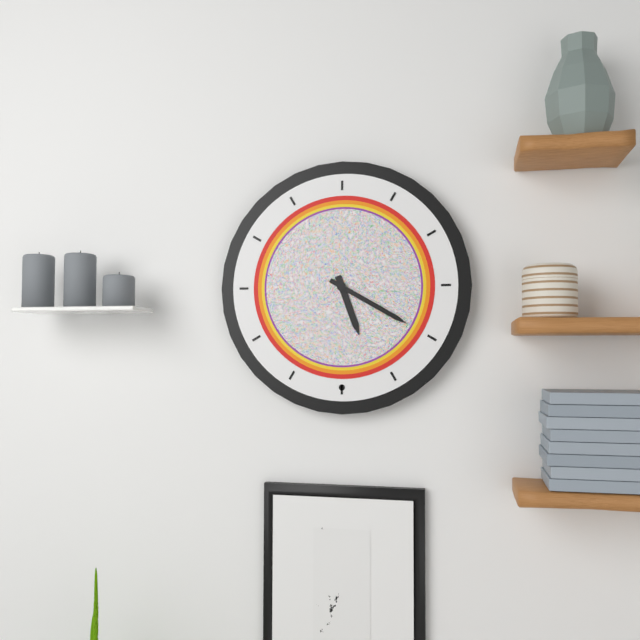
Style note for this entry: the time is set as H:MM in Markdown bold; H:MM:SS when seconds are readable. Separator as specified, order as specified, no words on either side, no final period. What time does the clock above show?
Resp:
**5:20**
